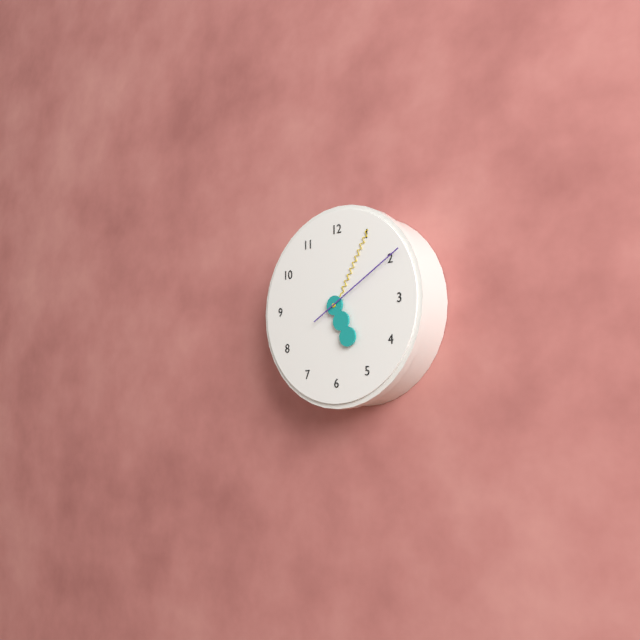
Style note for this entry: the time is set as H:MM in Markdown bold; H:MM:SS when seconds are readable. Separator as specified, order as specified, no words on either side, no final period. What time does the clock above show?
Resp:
**5:05:10**
